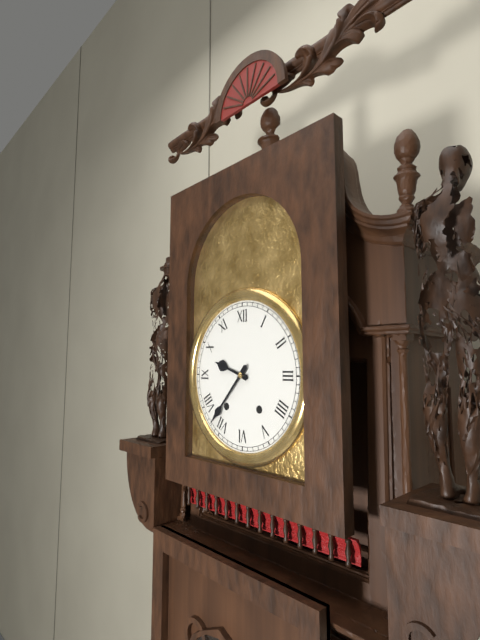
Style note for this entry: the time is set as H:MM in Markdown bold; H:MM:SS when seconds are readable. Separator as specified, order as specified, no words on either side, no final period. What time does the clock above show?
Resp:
**9:37**
